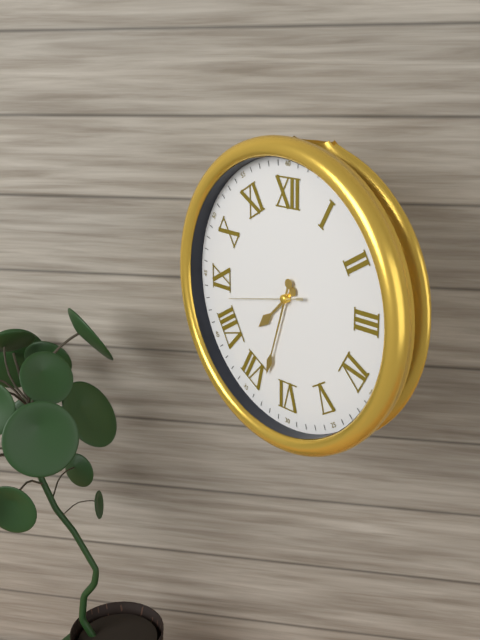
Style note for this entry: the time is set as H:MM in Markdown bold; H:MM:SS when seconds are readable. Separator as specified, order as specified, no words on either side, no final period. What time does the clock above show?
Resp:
**7:33:43**
